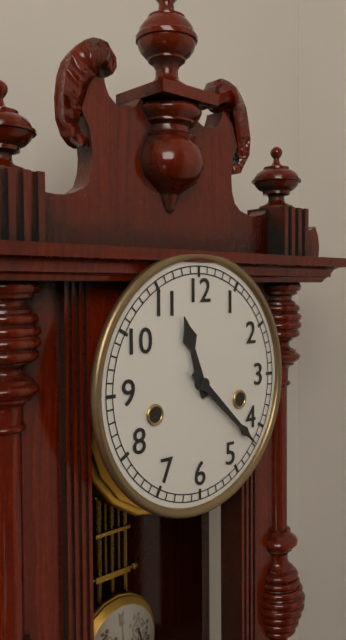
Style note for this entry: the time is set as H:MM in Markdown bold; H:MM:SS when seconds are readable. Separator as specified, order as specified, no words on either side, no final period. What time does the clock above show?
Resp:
**11:22**
